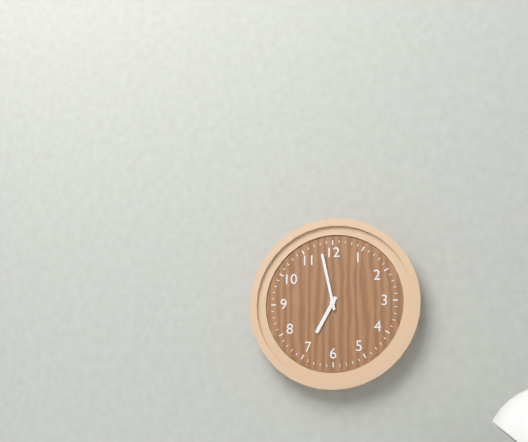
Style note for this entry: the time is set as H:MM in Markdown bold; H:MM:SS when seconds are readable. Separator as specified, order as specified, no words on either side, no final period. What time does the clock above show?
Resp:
**6:58**
